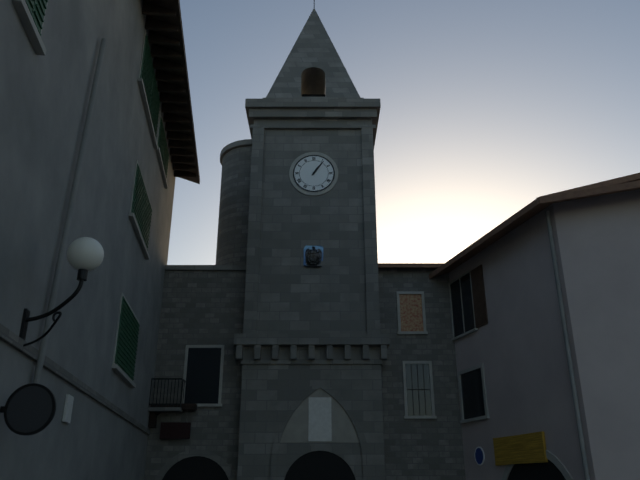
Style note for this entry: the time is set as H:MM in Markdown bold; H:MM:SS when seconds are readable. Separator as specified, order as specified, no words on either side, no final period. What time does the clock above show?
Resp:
**1:06**
